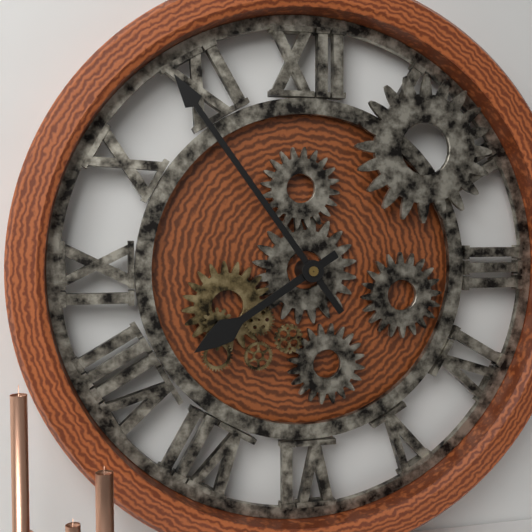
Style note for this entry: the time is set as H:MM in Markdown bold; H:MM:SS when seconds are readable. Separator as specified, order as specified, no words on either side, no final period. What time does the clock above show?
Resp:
**7:54**
